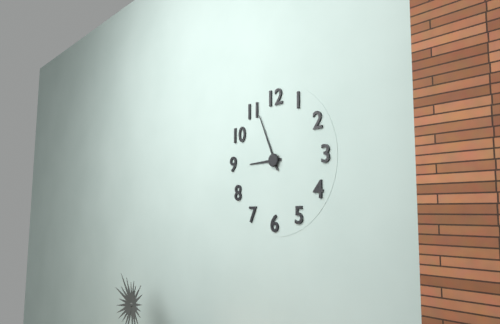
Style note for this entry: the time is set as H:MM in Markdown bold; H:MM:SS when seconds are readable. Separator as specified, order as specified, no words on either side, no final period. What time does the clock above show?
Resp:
**8:56**
